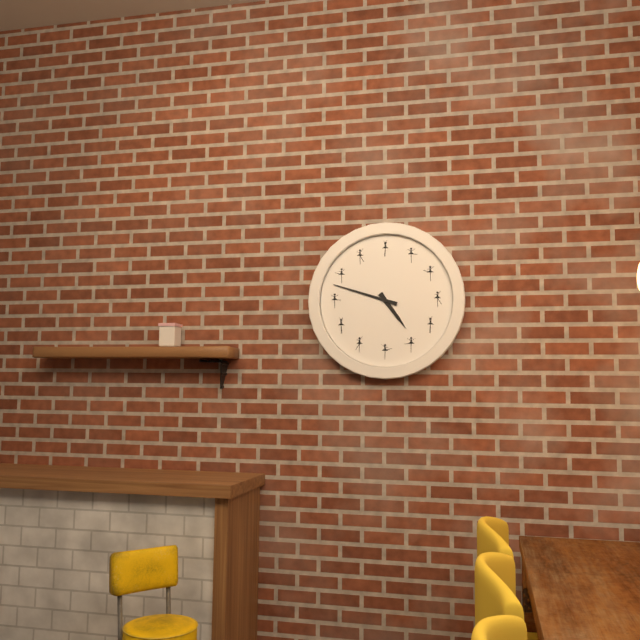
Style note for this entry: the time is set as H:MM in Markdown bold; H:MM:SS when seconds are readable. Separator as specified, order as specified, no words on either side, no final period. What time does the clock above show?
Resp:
**4:48**
